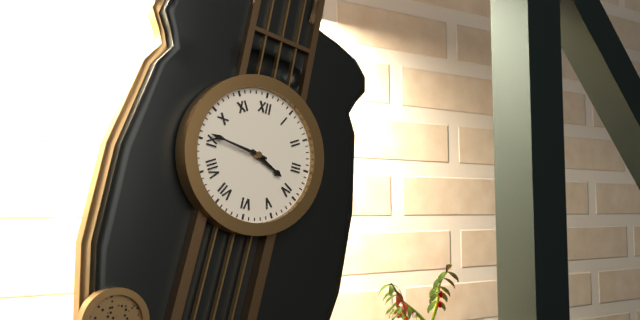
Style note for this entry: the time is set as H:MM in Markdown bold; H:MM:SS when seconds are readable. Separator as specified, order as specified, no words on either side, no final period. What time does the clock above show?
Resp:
**3:46**
